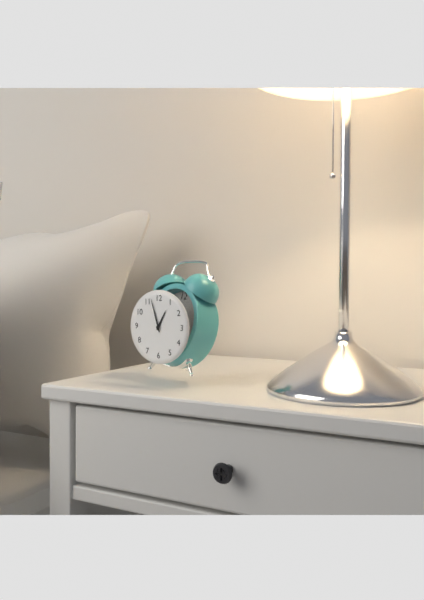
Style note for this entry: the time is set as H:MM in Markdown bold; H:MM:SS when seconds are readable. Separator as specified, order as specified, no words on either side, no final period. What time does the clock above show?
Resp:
**12:57**
